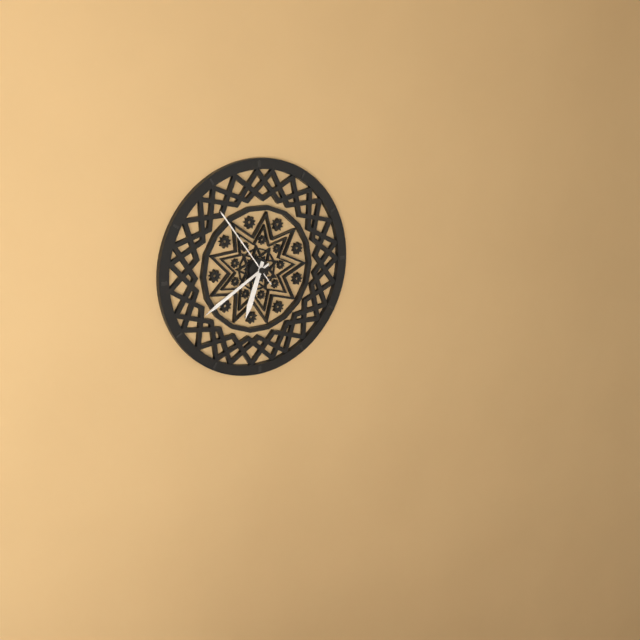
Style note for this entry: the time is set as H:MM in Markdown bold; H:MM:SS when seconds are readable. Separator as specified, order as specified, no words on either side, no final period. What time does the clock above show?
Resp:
**6:40:54**
